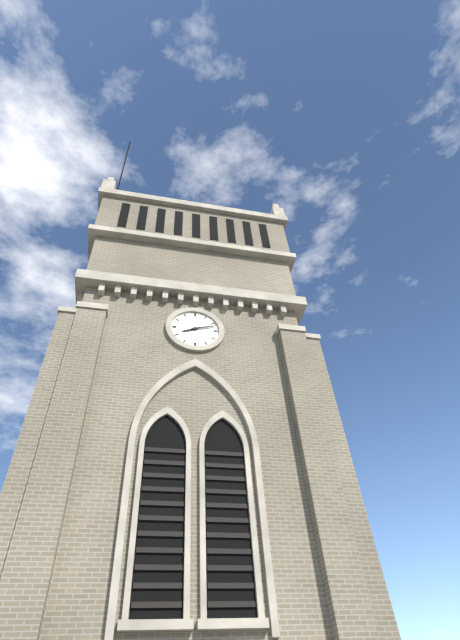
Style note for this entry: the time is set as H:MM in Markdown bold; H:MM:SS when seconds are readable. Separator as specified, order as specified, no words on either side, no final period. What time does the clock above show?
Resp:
**8:12**
